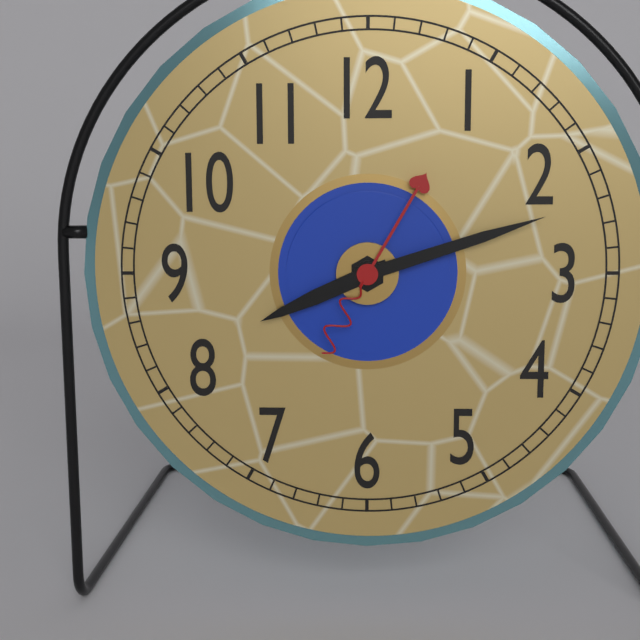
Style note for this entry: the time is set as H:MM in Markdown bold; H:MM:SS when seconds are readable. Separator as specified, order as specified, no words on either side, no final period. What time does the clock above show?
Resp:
**8:12:05**
